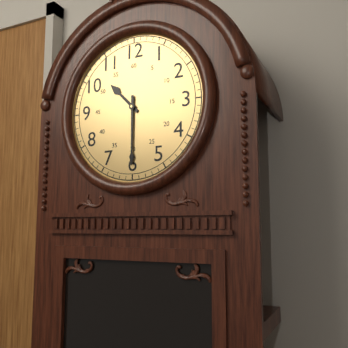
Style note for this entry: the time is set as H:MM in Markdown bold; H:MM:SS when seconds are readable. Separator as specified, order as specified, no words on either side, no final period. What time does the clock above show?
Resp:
**10:30**
